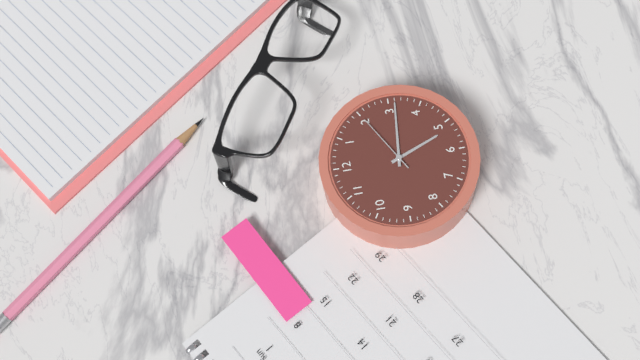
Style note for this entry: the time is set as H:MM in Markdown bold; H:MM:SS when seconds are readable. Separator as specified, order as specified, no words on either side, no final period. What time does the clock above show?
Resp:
**5:16:10**
